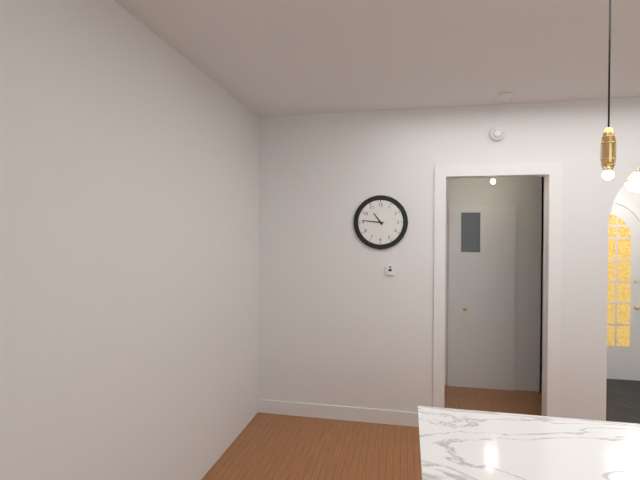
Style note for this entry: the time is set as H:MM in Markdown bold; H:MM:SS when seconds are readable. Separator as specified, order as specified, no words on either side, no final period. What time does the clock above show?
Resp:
**10:46**
